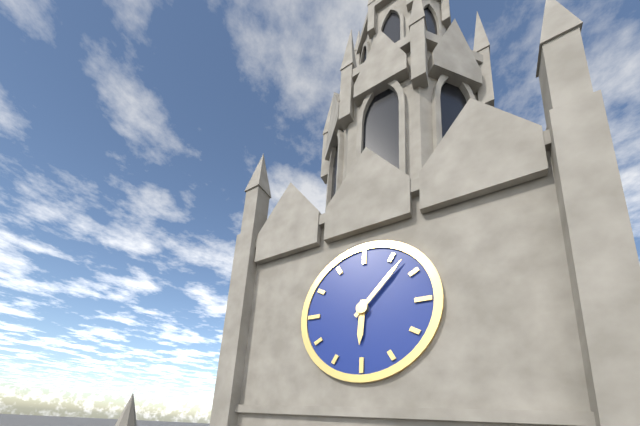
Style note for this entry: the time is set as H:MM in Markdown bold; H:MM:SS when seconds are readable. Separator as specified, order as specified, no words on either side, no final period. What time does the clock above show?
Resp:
**6:07**
